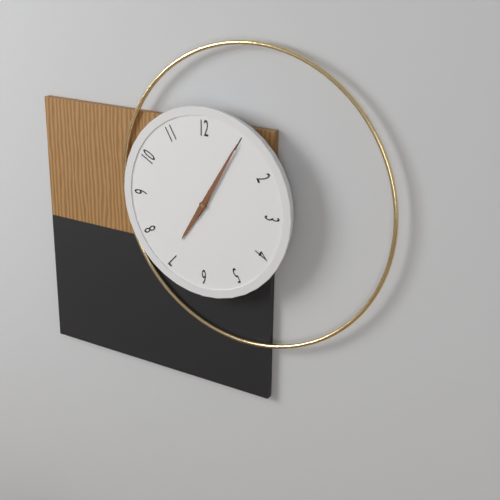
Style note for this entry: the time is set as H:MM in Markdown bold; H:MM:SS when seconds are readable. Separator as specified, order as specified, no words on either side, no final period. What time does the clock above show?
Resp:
**7:05**
